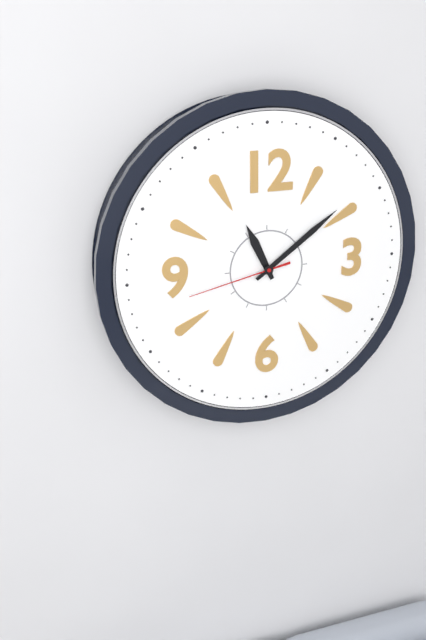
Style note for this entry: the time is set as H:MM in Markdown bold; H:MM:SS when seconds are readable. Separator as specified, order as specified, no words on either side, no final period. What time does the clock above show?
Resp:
**11:09:43**
